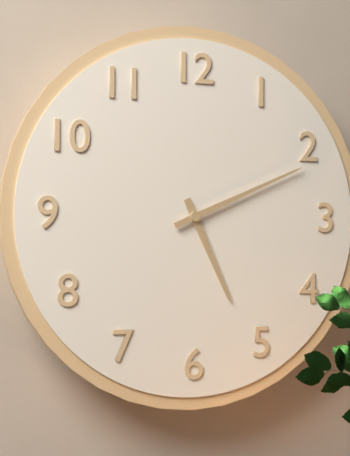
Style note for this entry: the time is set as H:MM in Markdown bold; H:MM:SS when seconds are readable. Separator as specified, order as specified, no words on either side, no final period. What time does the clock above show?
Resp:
**5:11**
